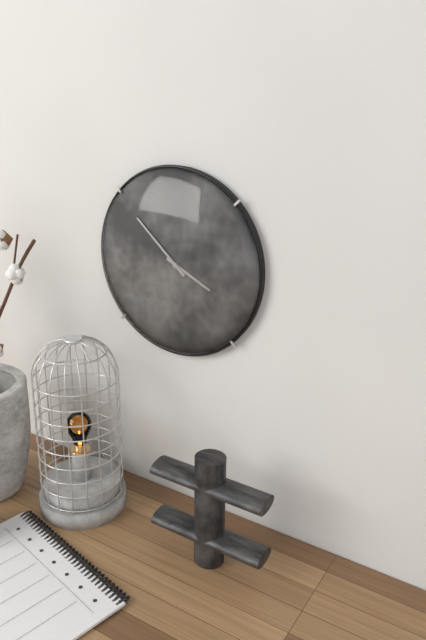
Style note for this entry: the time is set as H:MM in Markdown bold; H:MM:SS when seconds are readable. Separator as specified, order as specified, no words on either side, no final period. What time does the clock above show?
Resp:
**3:52**
